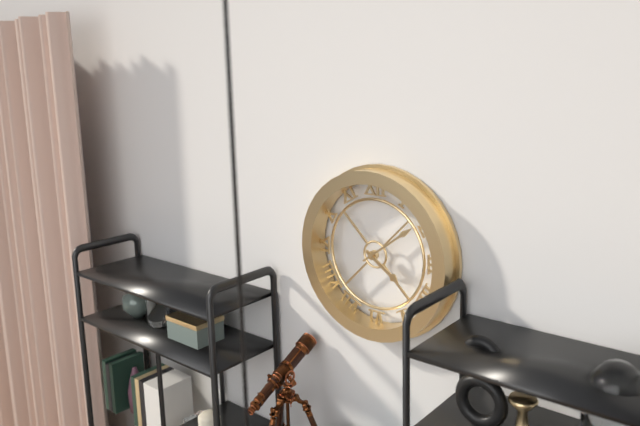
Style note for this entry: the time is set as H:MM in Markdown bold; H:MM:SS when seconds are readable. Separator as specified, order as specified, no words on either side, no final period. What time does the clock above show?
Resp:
**4:09**
